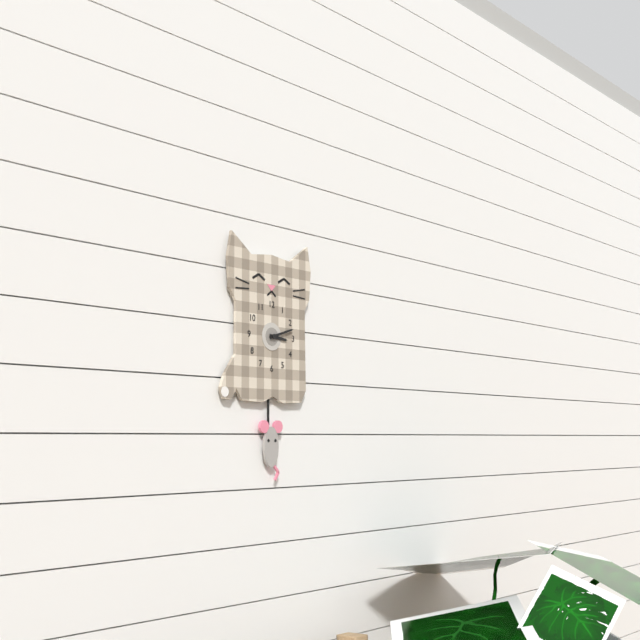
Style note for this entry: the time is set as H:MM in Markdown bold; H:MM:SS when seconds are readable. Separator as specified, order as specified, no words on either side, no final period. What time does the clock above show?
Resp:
**3:12**
